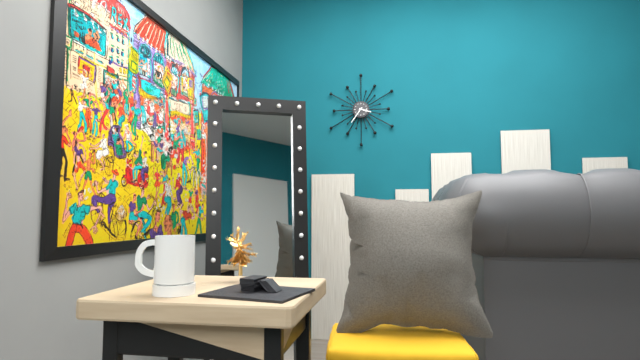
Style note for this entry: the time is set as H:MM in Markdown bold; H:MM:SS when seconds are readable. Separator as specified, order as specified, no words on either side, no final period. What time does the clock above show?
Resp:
**3:36**
